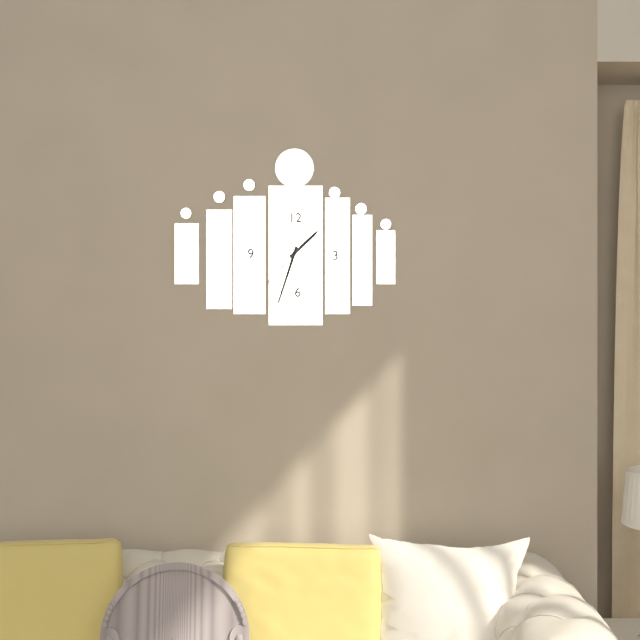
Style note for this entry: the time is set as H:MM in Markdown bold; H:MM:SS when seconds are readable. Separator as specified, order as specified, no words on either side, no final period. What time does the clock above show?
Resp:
**1:33:37**
